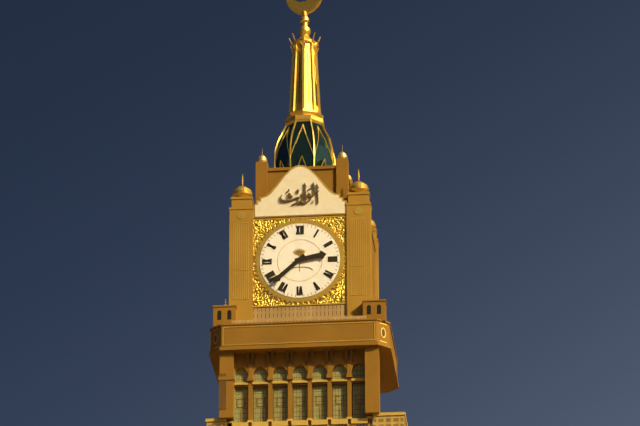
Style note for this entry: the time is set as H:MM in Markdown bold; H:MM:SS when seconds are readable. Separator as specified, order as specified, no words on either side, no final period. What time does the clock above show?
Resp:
**2:38**
